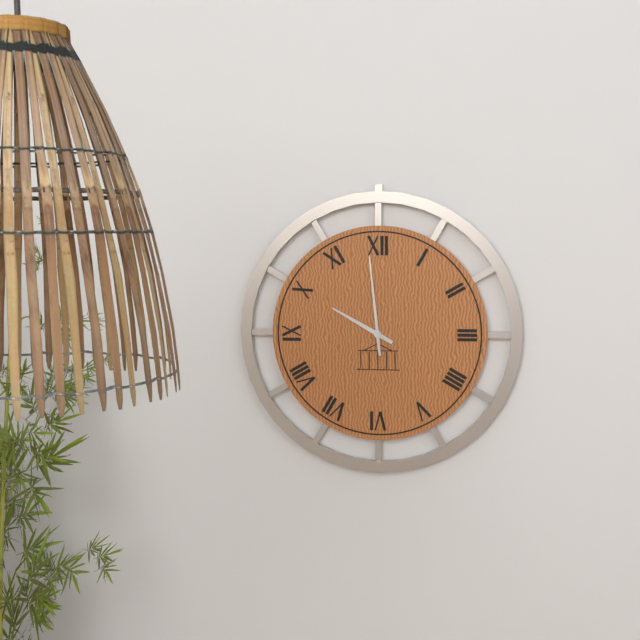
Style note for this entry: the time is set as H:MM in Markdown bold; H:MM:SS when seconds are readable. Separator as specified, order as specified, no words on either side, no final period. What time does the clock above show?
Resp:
**9:59**
